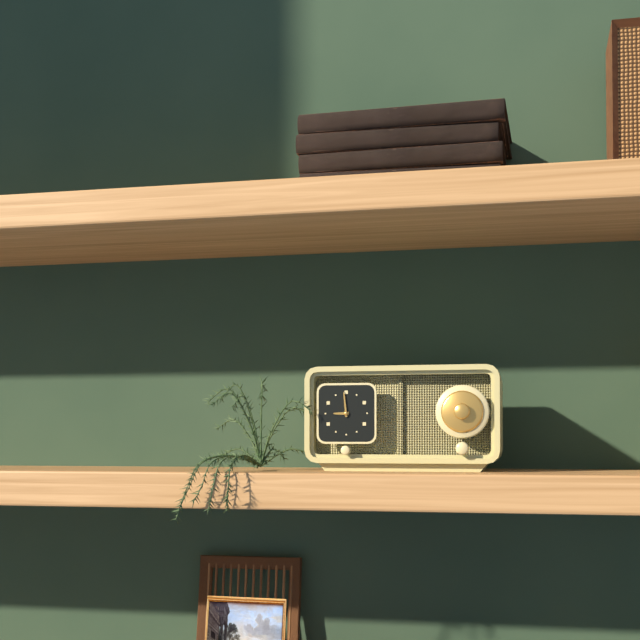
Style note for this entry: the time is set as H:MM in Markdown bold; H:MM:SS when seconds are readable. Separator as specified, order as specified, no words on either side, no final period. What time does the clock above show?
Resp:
**8:59**
